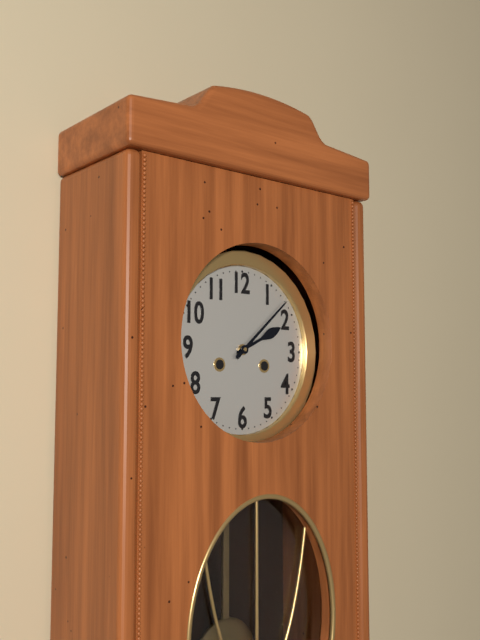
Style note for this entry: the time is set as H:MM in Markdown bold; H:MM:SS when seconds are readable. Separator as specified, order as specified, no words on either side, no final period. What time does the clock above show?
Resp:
**2:08**
